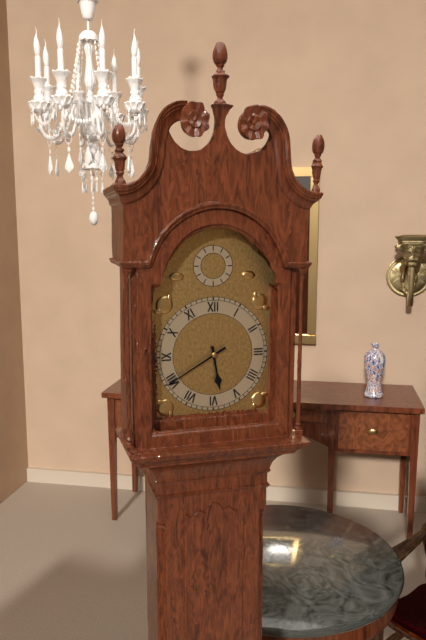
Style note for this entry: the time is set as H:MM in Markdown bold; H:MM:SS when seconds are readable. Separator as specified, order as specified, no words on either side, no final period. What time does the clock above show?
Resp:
**5:40**
